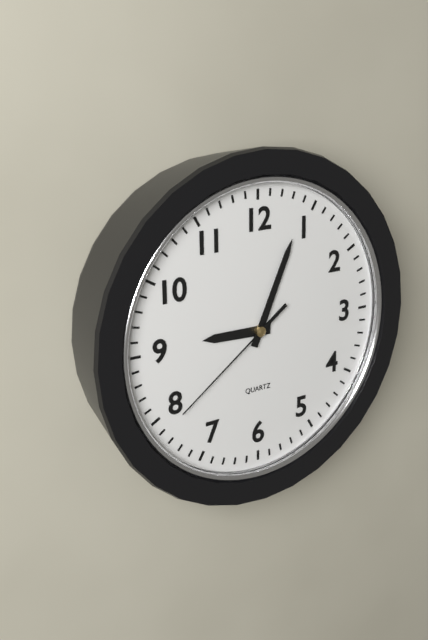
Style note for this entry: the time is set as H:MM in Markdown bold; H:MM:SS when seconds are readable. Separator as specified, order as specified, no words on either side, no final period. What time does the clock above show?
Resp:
**9:04:39**
